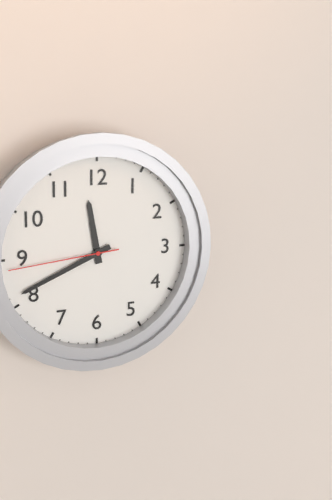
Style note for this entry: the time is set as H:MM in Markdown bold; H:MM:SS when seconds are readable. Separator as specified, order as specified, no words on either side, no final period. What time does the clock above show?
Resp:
**11:41:44**
